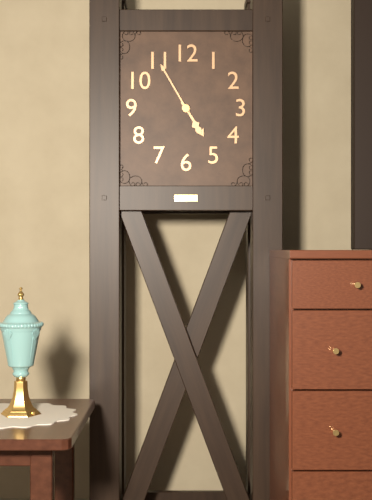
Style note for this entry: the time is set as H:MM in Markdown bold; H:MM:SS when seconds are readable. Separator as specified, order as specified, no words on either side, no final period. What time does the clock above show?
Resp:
**4:55**
